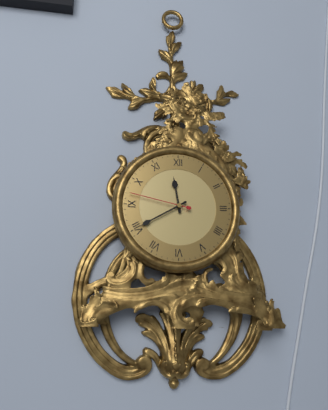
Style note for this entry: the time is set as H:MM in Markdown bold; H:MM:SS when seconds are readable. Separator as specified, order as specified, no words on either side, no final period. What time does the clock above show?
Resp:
**11:40:47**
